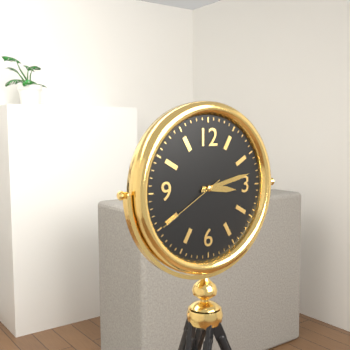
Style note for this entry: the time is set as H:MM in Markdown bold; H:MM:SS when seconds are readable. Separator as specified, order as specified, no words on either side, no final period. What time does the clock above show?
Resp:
**3:13:40**
